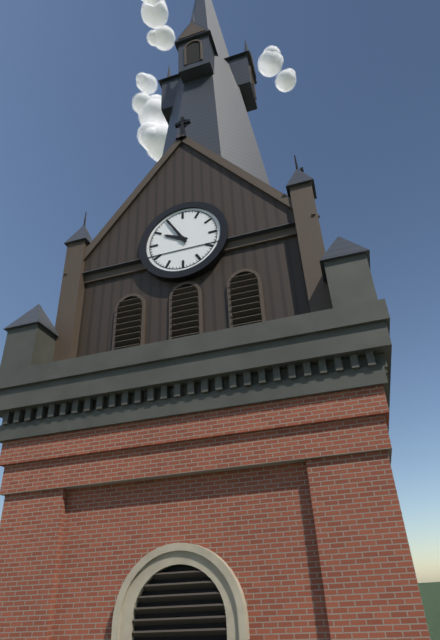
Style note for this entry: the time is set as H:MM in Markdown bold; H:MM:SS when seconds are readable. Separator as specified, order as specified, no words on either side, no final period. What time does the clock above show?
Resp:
**9:55**
